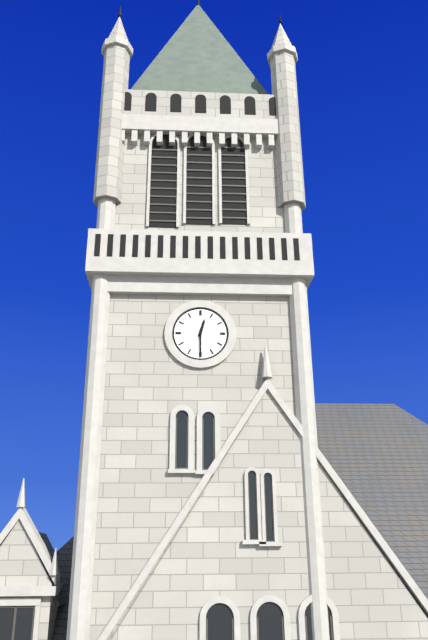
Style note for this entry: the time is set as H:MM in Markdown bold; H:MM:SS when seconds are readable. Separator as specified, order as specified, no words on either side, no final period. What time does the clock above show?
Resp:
**12:30**
